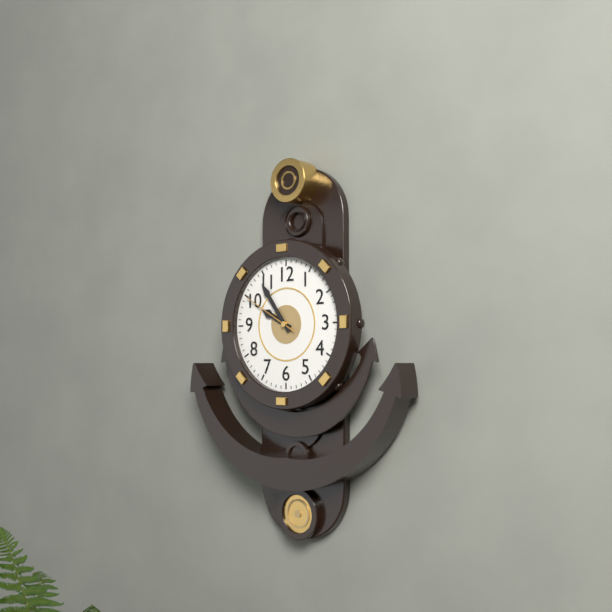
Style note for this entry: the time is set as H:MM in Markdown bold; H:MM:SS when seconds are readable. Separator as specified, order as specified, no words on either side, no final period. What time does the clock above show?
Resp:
**9:54:50**
